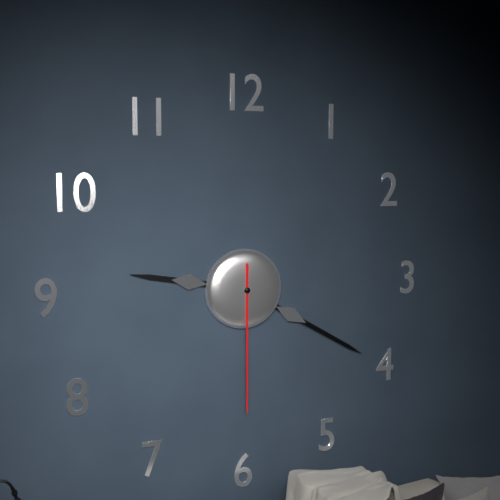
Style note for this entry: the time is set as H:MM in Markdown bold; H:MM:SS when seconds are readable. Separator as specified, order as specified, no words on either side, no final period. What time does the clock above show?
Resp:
**9:20:30**
